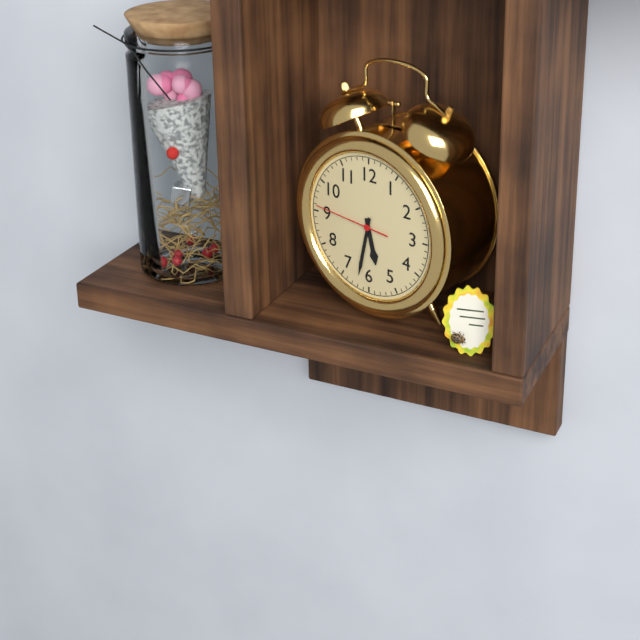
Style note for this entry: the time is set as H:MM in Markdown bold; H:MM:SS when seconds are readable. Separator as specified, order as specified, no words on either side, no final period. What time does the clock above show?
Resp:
**5:32:46**
